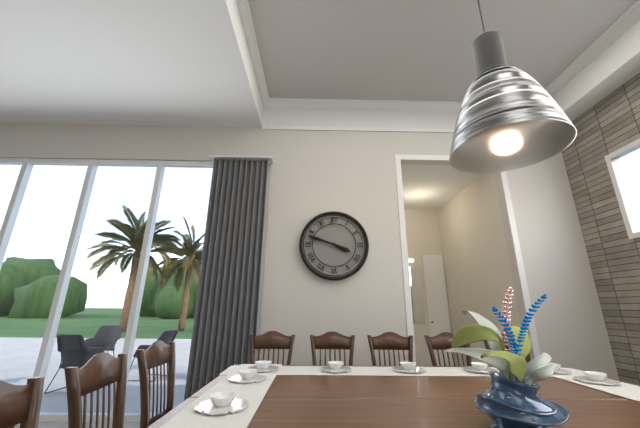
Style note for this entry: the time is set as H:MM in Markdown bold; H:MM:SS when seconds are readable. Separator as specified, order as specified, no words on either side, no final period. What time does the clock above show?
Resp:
**3:48**
